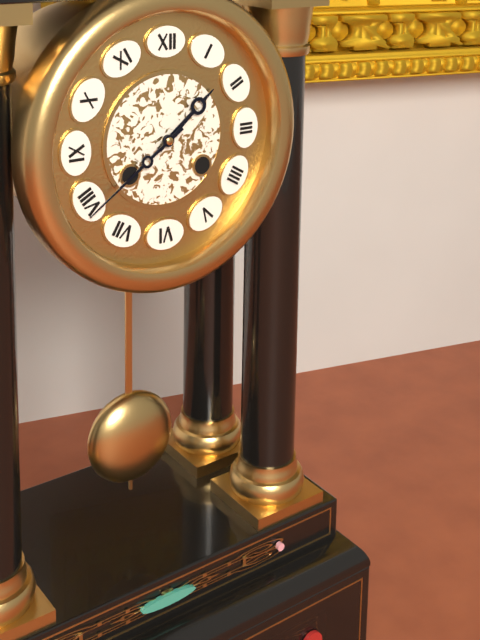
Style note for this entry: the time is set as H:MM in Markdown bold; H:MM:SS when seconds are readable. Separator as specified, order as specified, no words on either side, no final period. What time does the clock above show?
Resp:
**1:39**
